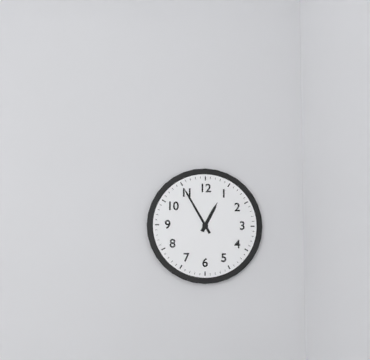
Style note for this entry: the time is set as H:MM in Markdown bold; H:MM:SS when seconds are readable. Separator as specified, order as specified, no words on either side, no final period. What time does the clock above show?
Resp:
**12:55**
